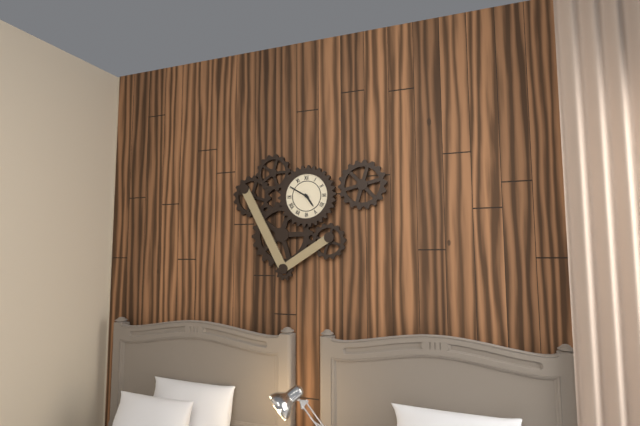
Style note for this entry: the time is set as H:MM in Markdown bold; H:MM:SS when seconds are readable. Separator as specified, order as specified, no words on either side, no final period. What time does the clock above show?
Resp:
**4:50**
